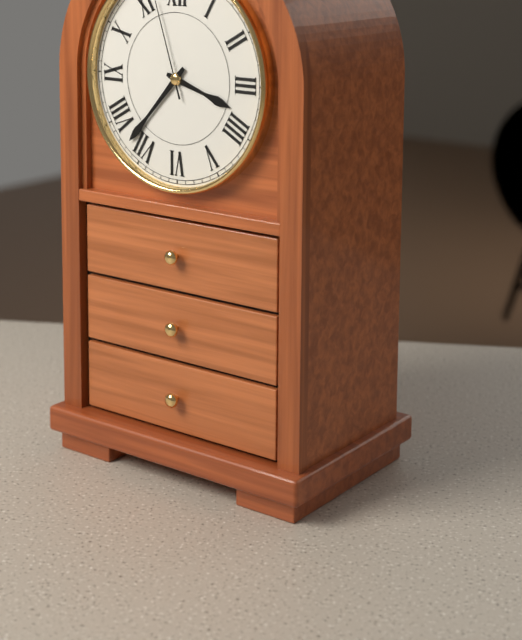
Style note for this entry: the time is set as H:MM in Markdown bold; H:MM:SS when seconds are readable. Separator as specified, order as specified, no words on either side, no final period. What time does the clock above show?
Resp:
**3:37**
